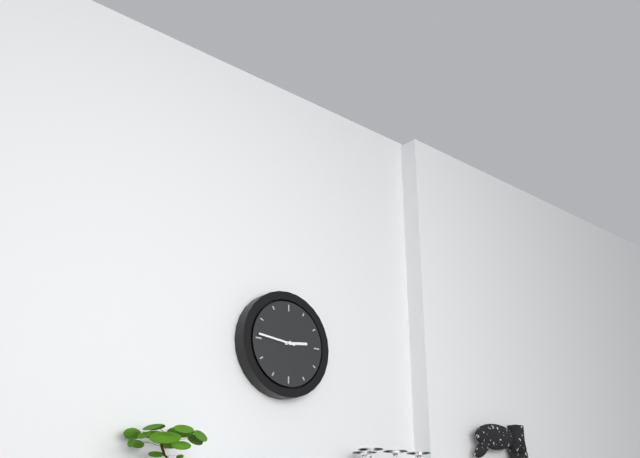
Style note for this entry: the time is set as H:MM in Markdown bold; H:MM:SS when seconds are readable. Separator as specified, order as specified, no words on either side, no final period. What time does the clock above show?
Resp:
**2:46**
